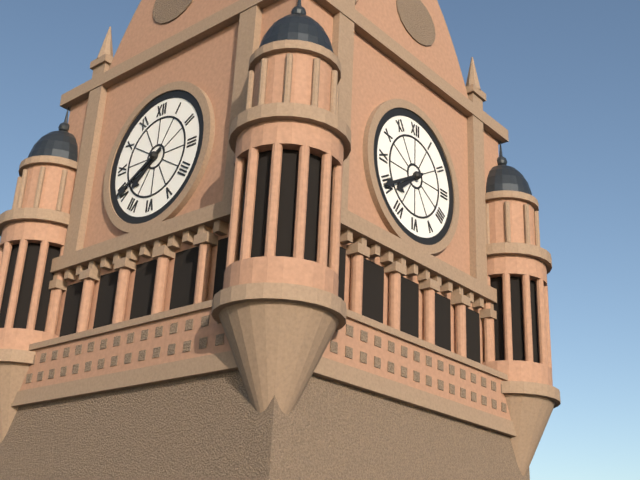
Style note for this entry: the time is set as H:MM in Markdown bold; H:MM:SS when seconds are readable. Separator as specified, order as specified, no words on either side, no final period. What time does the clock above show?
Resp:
**7:40**
